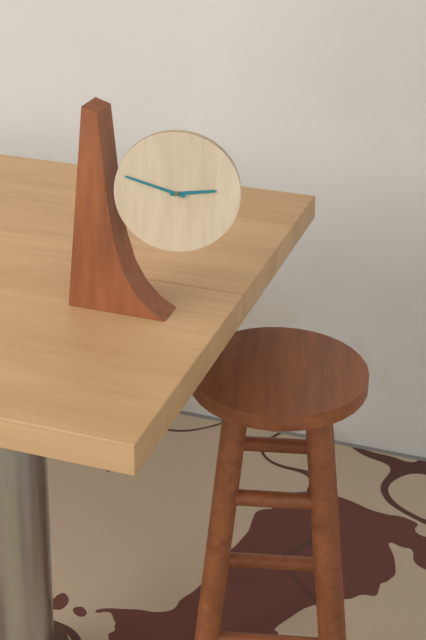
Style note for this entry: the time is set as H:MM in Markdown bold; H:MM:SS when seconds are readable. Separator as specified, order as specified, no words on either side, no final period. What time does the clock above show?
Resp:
**2:48**
